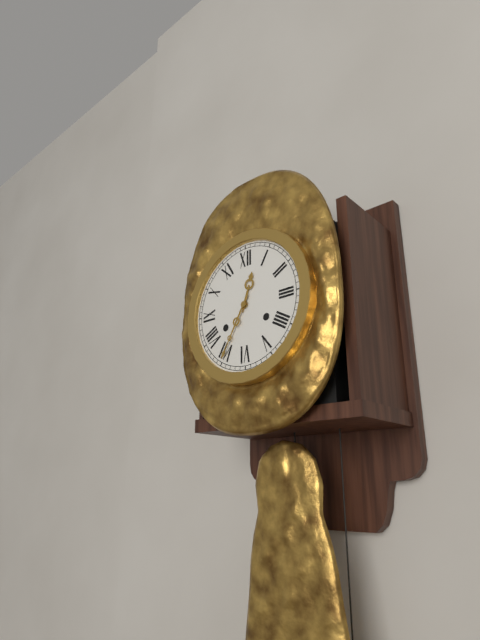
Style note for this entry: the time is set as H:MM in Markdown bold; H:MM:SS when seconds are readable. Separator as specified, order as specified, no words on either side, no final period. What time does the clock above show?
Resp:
**12:35**
